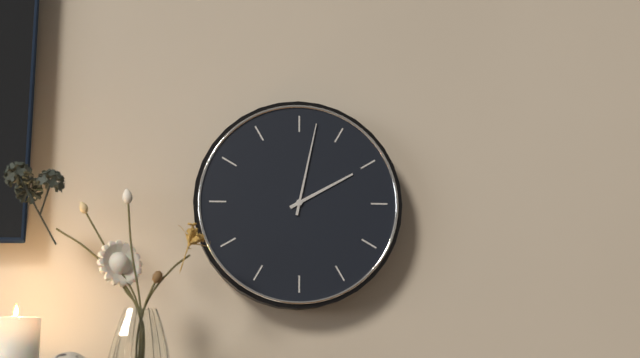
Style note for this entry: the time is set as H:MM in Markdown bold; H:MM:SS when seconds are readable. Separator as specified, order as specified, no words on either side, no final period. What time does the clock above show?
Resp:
**2:02**
